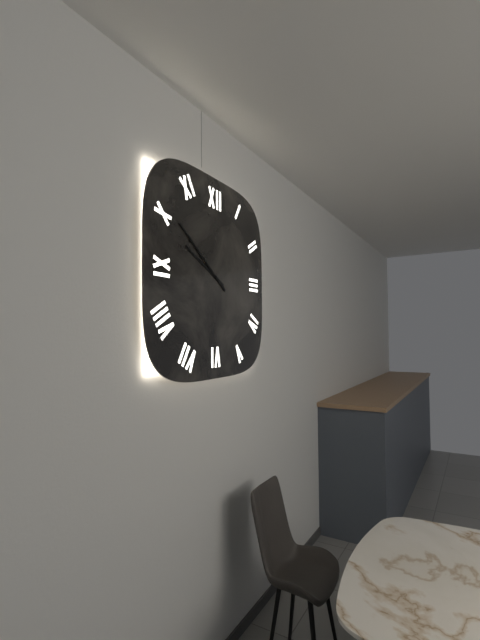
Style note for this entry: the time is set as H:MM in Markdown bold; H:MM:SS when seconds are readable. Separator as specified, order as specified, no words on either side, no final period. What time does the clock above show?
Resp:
**9:51**
